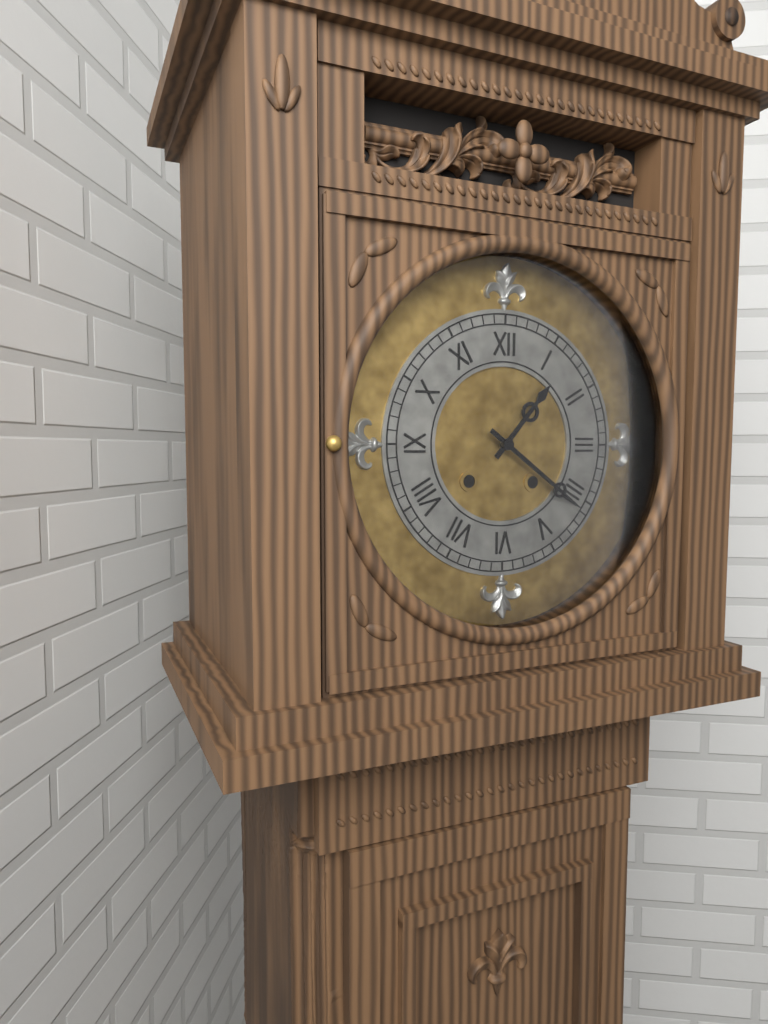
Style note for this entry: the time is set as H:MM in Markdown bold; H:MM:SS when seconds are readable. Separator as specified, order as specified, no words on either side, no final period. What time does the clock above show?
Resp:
**1:21**
